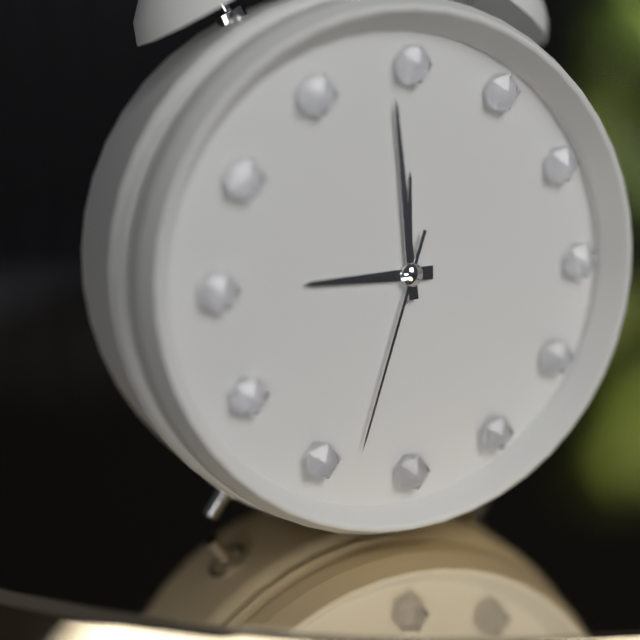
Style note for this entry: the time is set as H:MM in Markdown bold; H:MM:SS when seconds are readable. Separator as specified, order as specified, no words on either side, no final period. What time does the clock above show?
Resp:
**8:59:33**
